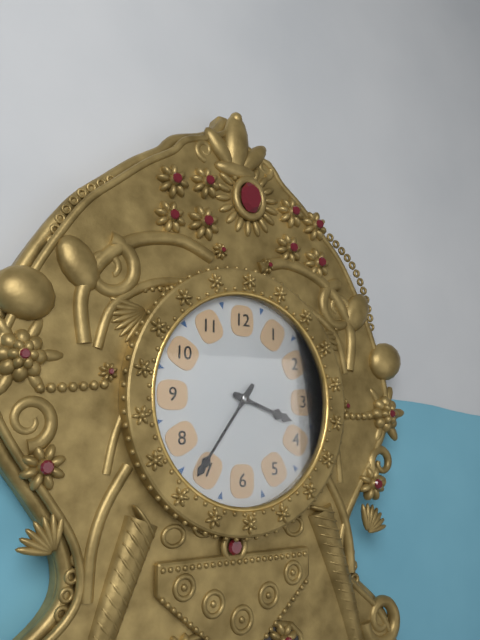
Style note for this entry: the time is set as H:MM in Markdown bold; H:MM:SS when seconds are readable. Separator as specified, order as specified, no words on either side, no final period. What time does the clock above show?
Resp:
**3:36**
